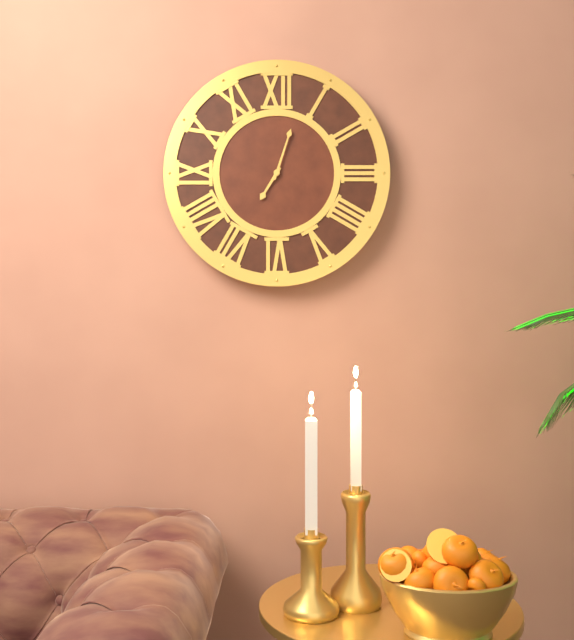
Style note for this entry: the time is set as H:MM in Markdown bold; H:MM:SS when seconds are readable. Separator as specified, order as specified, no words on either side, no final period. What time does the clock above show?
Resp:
**7:03**
